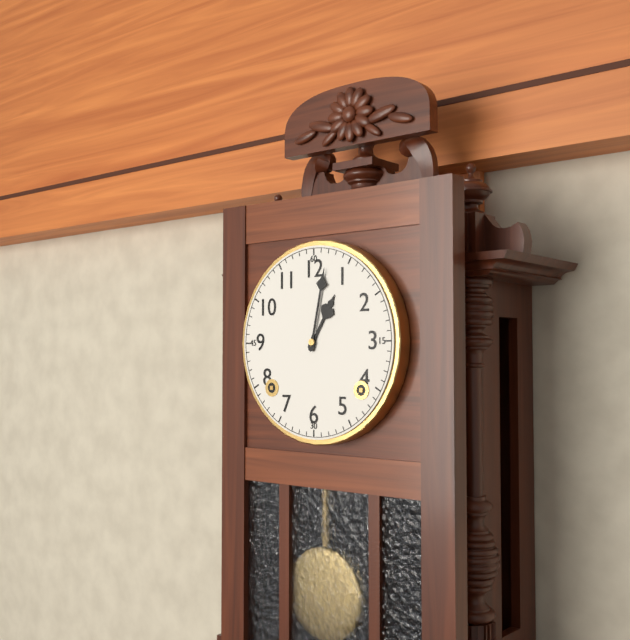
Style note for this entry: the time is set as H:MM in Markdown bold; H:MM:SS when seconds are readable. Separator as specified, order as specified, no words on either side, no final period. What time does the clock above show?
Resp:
**1:02**
